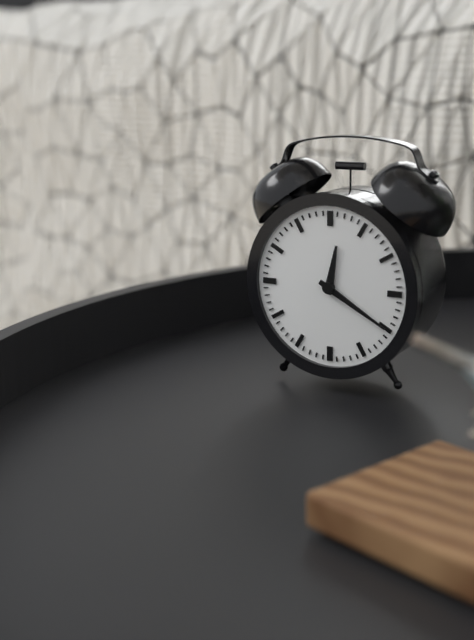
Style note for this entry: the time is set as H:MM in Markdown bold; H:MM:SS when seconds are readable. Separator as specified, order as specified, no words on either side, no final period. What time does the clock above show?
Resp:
**12:20**
